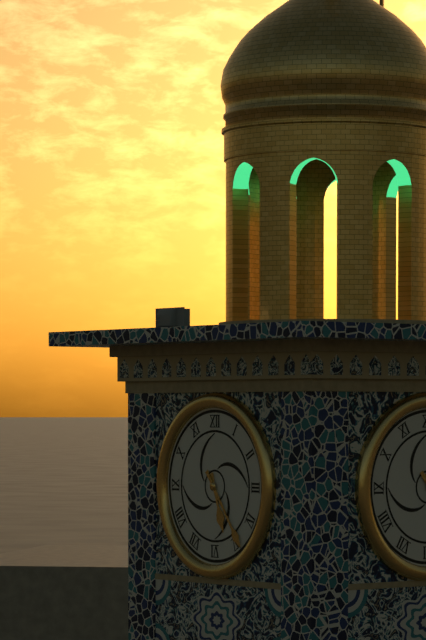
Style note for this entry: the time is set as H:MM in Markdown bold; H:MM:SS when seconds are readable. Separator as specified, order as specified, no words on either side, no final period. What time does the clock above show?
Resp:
**5:24**
